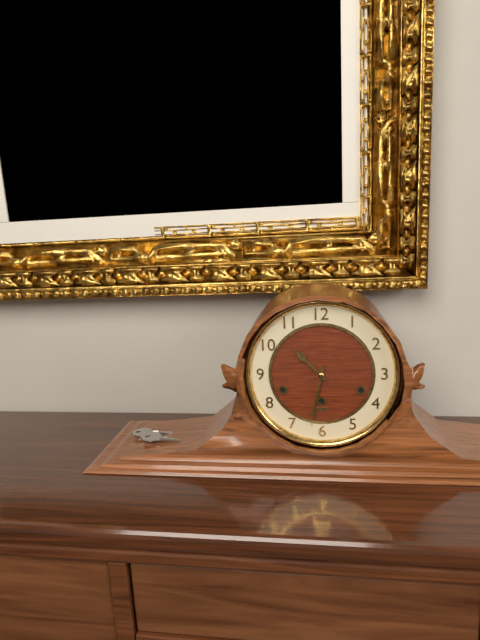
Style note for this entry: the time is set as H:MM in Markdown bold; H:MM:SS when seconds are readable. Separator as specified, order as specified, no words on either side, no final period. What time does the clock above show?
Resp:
**10:32**
